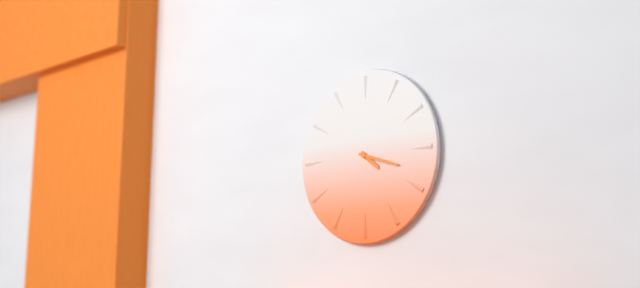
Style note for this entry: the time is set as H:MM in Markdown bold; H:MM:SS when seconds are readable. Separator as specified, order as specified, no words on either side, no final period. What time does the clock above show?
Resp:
**4:18**
